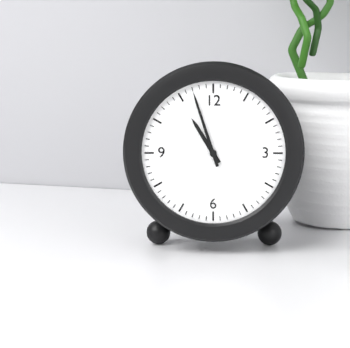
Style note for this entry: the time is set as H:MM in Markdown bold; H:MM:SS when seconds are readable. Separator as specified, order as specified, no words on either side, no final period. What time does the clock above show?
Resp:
**10:57**
